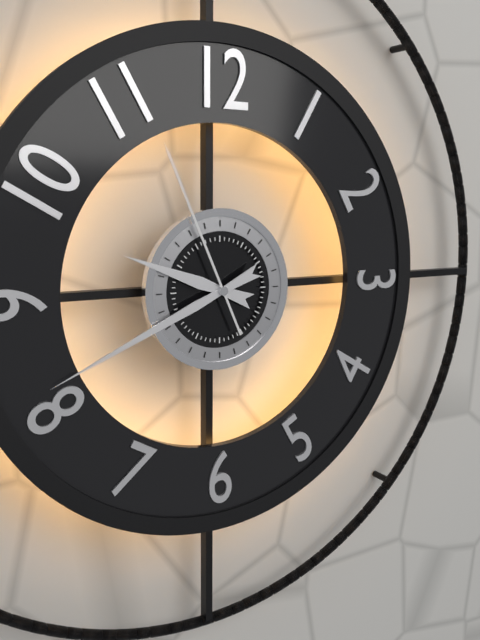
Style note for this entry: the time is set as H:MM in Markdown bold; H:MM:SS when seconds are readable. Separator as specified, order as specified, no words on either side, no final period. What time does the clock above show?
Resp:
**9:41:56**
